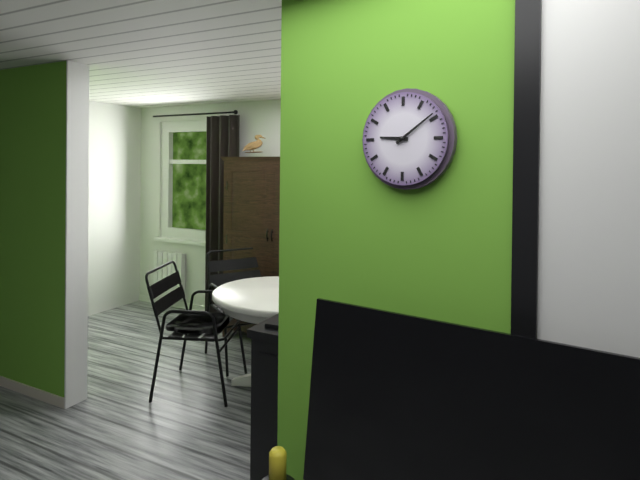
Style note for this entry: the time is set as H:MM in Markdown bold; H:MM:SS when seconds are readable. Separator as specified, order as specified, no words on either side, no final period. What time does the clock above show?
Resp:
**9:09**
